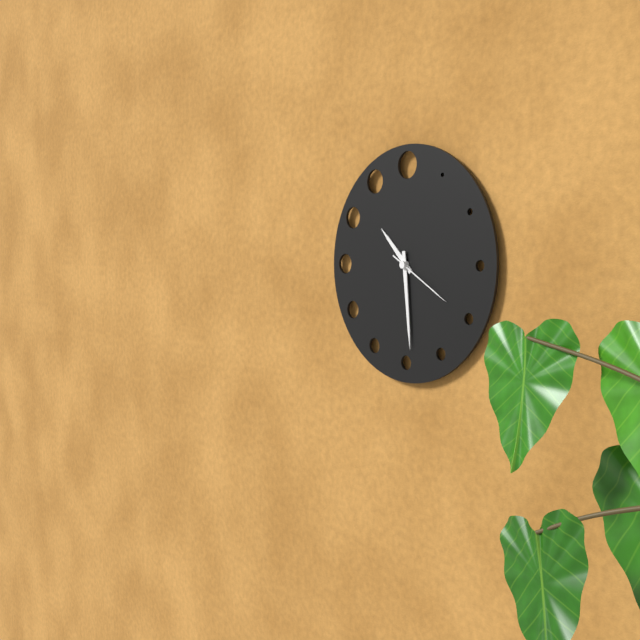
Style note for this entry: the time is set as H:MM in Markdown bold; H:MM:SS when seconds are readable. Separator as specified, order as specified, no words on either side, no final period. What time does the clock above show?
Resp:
**10:29:20**
